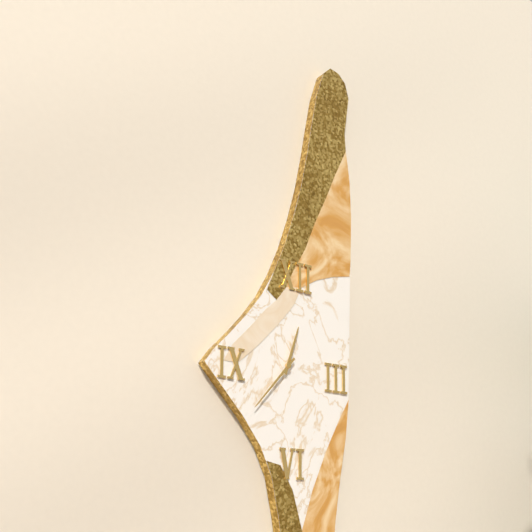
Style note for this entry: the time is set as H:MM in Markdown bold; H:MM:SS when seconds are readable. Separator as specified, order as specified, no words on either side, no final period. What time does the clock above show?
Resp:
**12:37**
